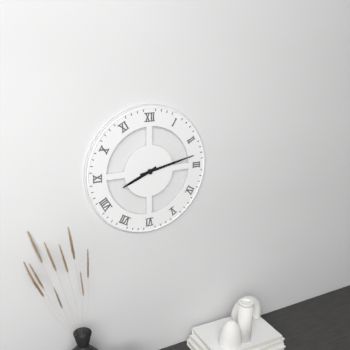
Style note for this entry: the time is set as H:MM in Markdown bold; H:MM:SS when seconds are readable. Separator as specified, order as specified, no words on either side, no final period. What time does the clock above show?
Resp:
**8:13**
